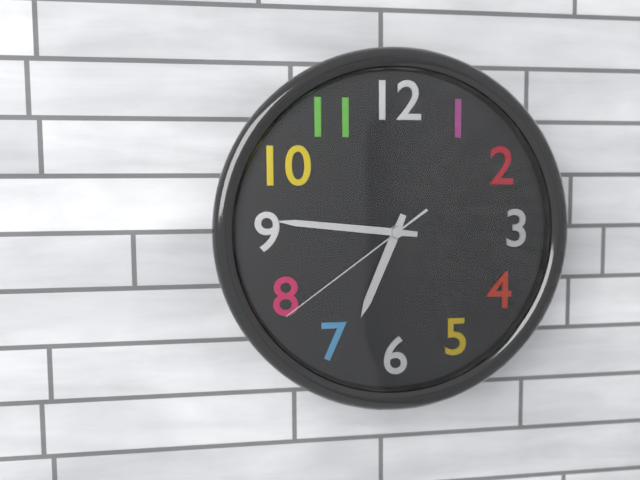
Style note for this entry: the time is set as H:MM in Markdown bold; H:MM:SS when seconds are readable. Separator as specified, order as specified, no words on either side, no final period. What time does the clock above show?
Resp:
**6:46:39**
